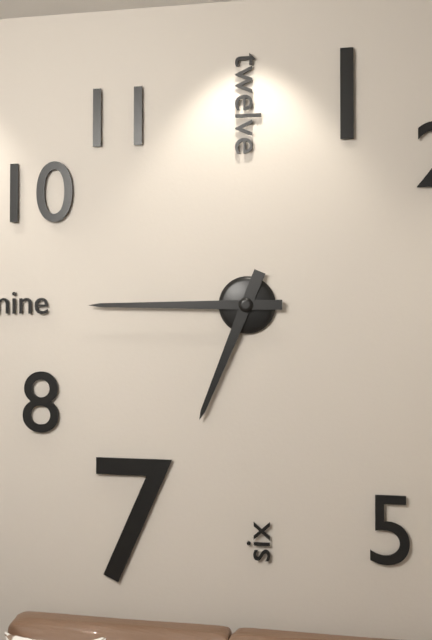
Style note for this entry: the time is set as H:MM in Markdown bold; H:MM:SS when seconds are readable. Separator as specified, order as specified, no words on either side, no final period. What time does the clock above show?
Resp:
**6:45**
